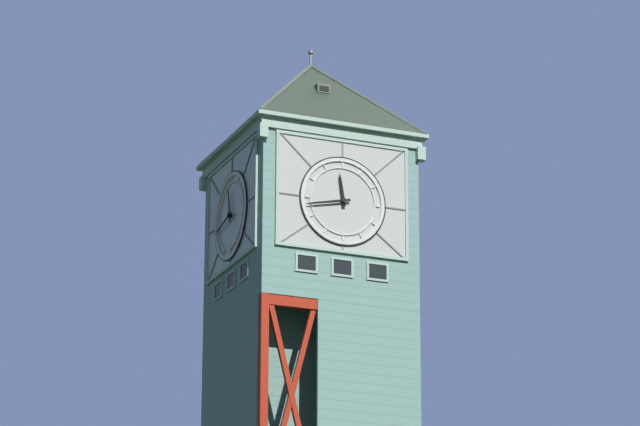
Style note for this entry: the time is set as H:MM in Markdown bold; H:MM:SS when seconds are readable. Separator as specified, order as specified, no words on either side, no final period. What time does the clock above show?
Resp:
**11:43**
